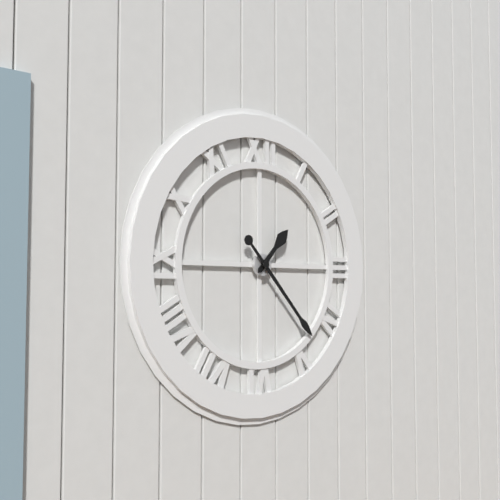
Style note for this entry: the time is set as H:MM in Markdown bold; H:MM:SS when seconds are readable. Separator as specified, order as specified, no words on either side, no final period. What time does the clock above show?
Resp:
**1:23**
